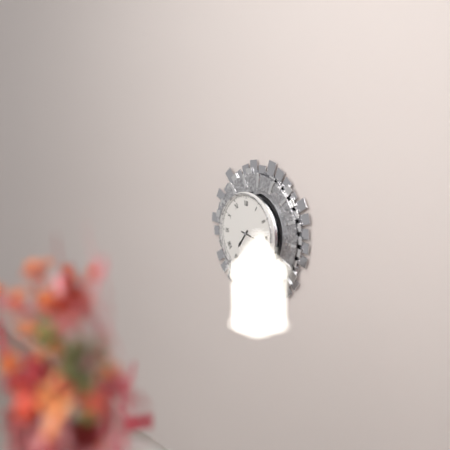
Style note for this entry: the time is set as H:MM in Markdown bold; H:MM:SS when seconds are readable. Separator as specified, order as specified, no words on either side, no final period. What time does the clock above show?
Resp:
**7:17**
